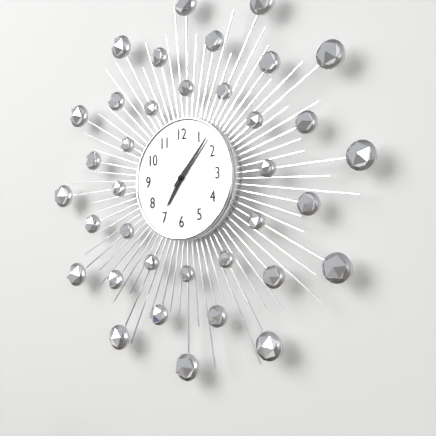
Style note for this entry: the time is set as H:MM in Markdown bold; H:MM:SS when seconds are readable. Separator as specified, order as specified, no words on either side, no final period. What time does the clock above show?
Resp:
**7:07**
